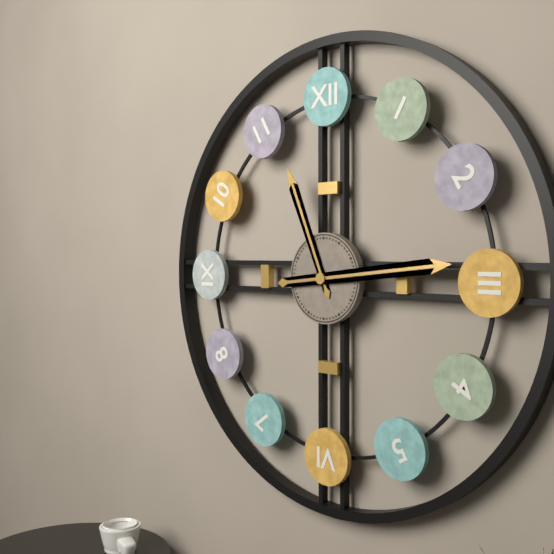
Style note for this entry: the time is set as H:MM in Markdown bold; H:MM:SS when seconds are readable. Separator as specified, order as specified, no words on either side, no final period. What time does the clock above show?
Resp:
**11:14**
